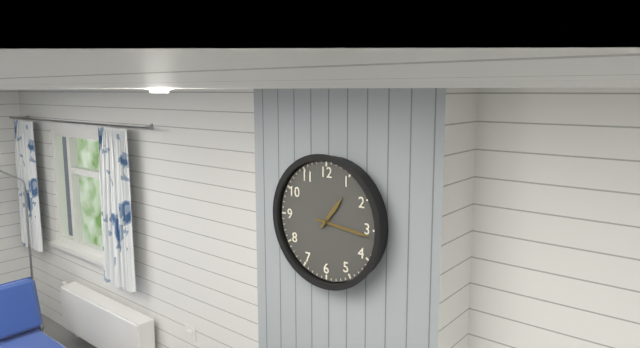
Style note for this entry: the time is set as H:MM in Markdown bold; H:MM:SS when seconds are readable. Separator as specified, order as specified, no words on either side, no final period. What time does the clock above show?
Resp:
**1:16**
